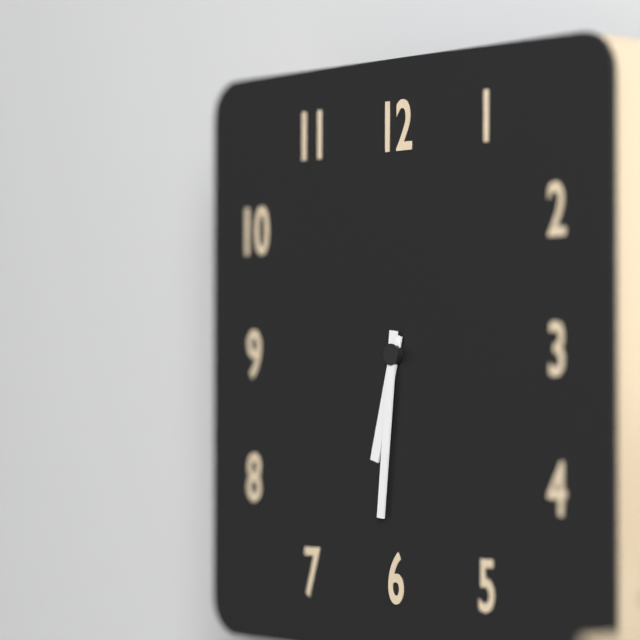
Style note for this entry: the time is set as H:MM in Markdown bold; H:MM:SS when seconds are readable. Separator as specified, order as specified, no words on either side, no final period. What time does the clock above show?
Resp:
**6:31**
